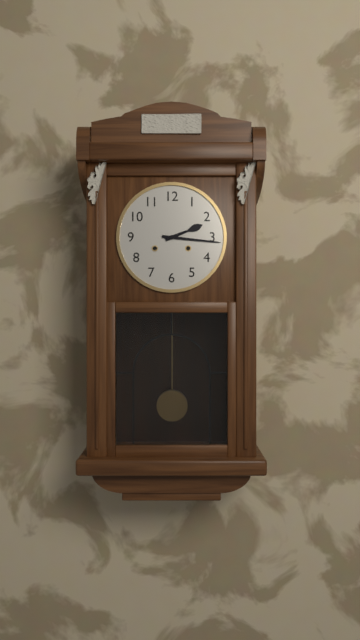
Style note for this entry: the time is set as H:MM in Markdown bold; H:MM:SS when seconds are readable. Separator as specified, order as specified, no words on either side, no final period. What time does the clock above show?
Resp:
**2:16**
